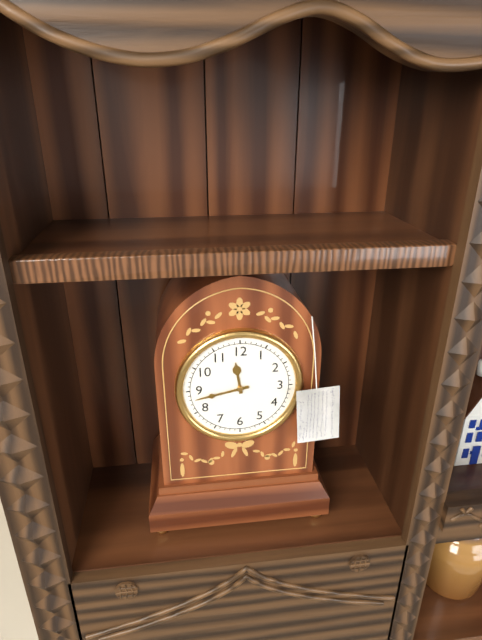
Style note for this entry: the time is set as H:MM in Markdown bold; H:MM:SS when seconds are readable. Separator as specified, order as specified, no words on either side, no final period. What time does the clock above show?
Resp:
**11:43**
